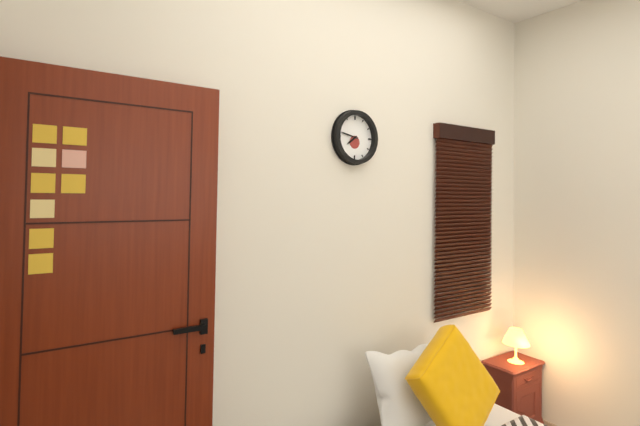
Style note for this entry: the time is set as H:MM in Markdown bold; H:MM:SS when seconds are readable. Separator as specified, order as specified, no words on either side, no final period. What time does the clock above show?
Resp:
**7:47**
